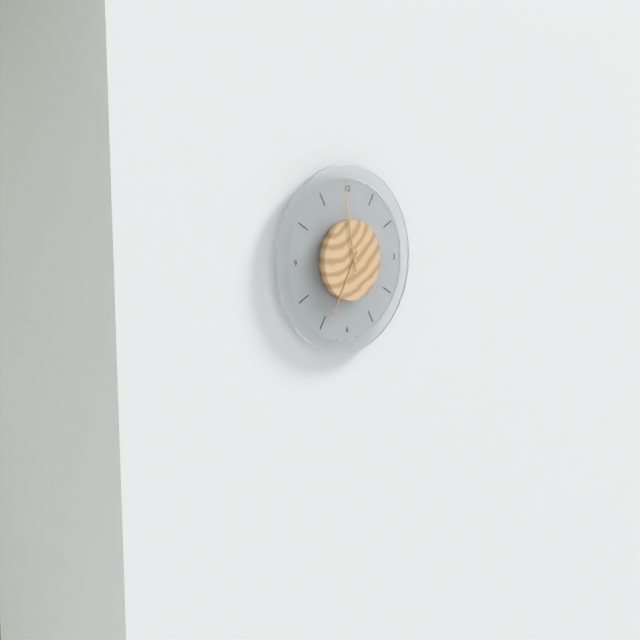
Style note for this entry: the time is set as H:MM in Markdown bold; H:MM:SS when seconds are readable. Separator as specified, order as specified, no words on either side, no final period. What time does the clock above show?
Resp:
**6:58**
